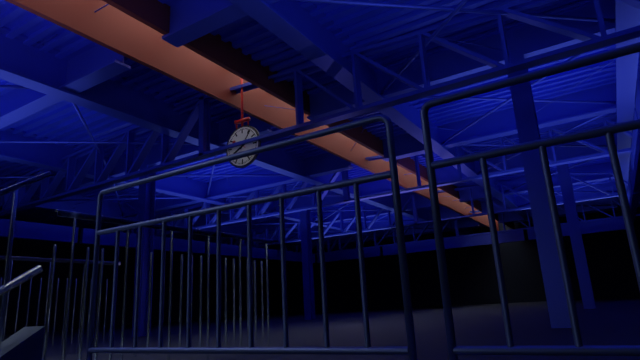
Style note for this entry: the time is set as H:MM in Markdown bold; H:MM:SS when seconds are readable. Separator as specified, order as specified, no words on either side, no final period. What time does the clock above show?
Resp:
**8:06**
